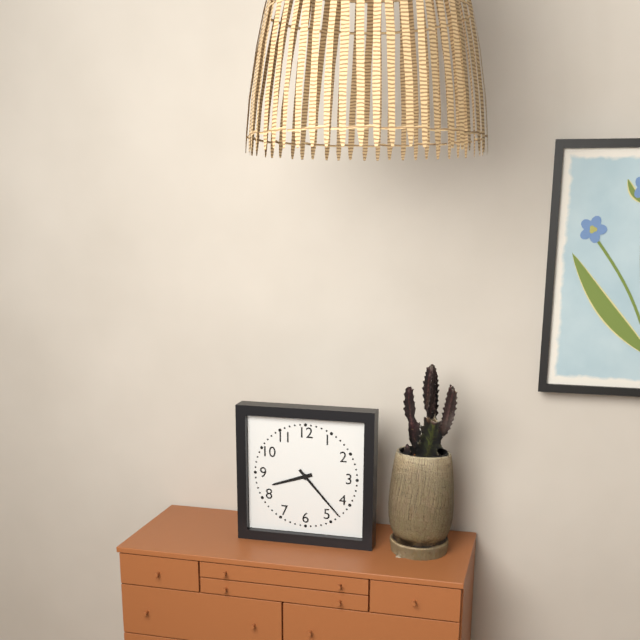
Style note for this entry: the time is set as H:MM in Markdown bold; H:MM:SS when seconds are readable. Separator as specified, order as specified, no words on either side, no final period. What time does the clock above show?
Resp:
**8:23**
